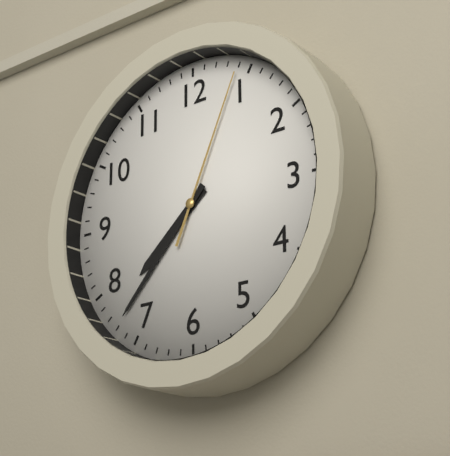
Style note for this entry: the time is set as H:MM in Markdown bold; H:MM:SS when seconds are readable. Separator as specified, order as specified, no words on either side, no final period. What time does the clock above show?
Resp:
**7:37:04**
